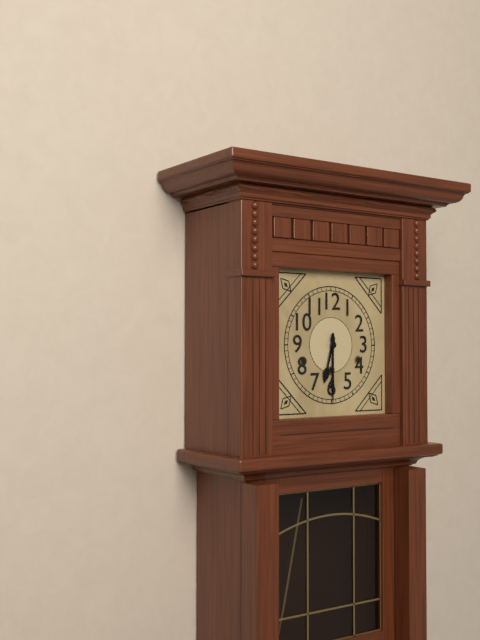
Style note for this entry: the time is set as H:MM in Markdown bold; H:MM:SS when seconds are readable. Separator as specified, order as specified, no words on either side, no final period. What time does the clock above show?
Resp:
**6:30**
